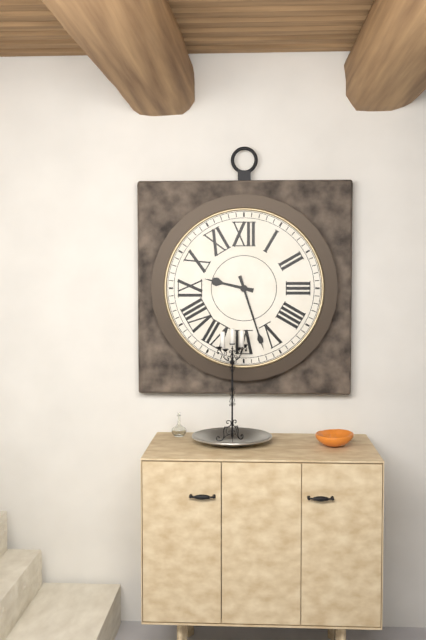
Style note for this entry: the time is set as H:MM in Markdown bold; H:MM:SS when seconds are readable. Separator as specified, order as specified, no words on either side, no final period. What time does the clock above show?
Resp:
**9:27**
